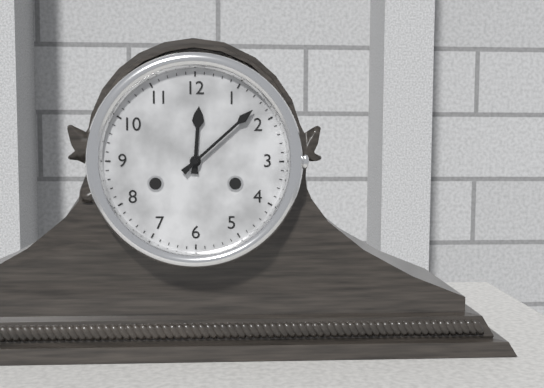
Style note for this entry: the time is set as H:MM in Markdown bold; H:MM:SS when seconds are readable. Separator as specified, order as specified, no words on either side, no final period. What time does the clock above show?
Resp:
**12:08**
